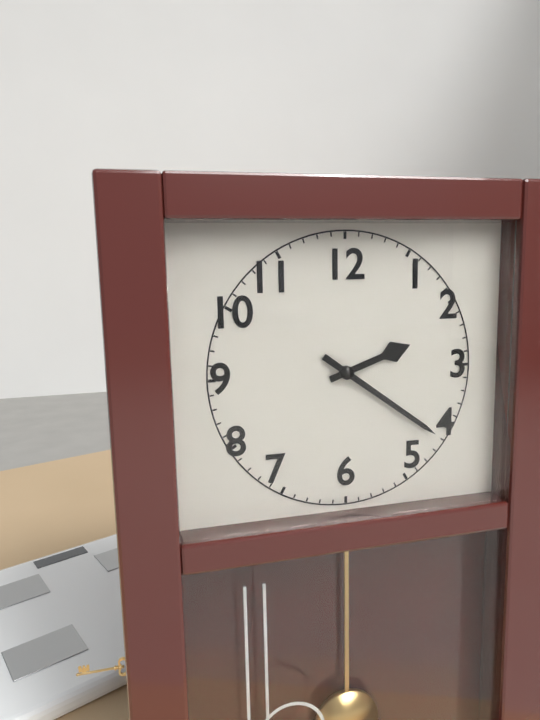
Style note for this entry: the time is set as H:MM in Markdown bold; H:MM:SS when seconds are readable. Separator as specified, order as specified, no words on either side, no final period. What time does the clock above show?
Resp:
**2:21**
